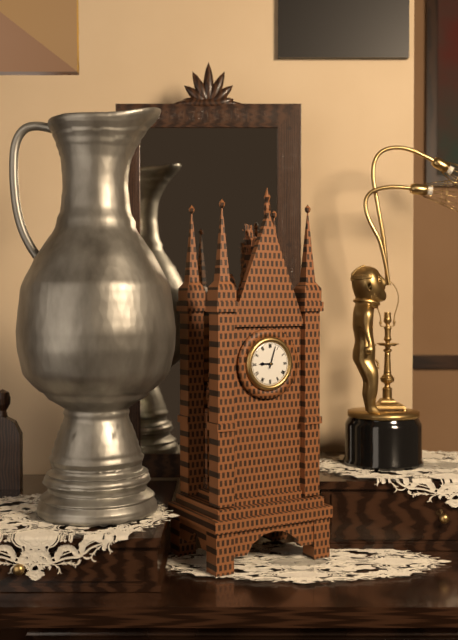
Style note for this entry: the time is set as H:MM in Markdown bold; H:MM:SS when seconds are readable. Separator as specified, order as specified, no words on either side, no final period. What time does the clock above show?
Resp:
**9:03**
